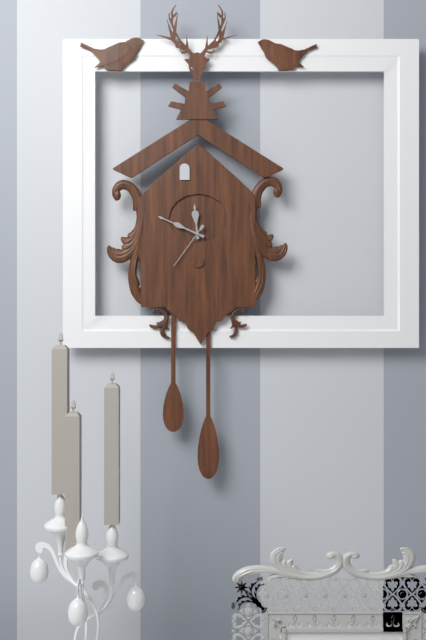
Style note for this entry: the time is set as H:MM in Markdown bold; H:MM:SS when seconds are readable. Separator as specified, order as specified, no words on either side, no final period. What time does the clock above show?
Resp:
**11:49:36**
